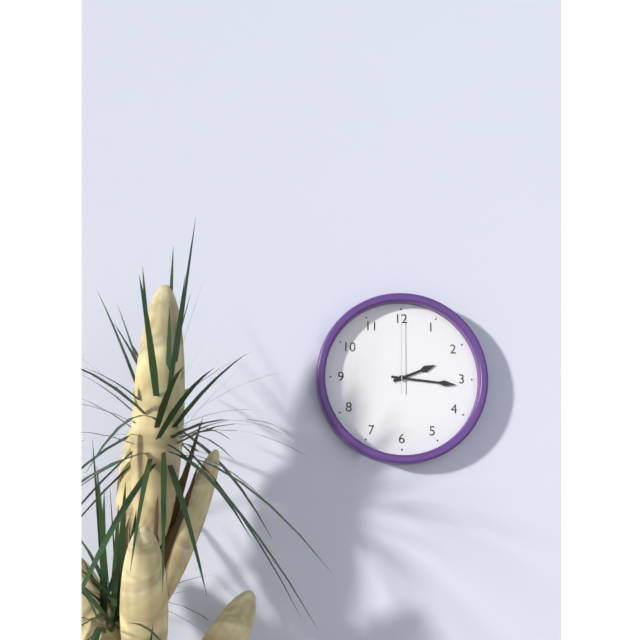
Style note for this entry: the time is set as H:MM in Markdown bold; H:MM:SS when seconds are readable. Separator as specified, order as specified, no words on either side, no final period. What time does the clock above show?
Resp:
**2:16:00**
